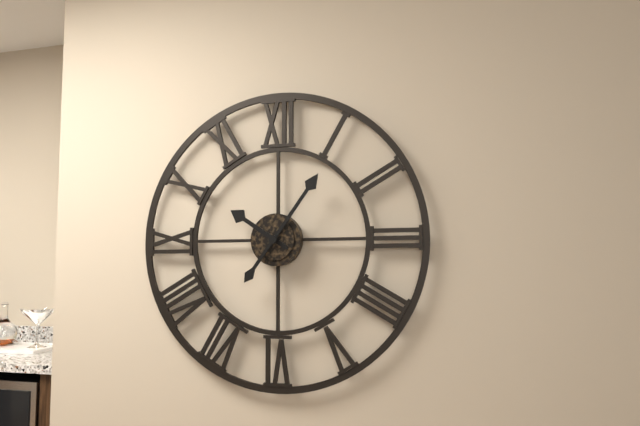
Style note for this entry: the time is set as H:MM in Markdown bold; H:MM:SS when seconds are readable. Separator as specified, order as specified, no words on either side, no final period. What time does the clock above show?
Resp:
**10:06**
